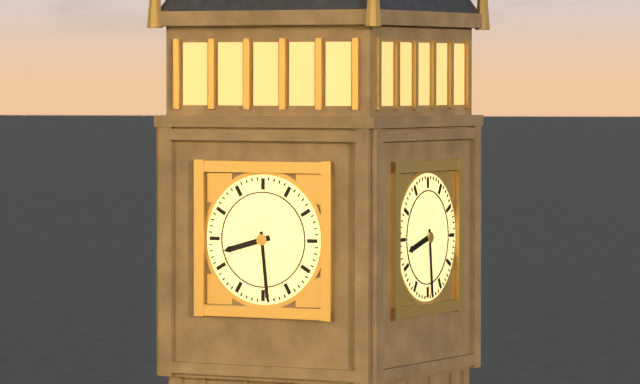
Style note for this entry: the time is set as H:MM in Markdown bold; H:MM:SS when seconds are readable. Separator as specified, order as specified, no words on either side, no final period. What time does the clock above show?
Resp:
**8:29**
